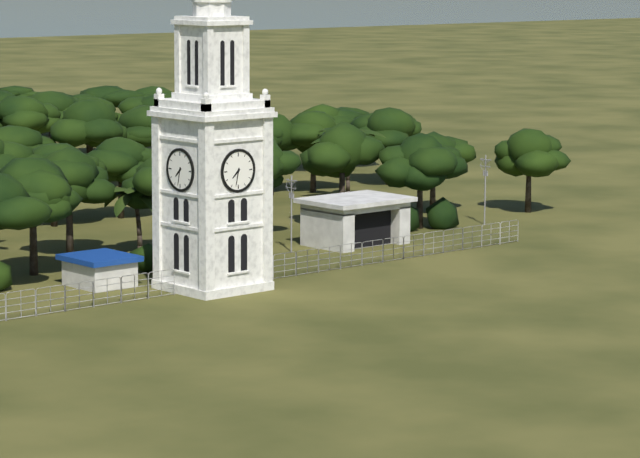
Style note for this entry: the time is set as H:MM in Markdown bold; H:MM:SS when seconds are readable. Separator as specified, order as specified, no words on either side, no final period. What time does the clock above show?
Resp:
**7:32**
